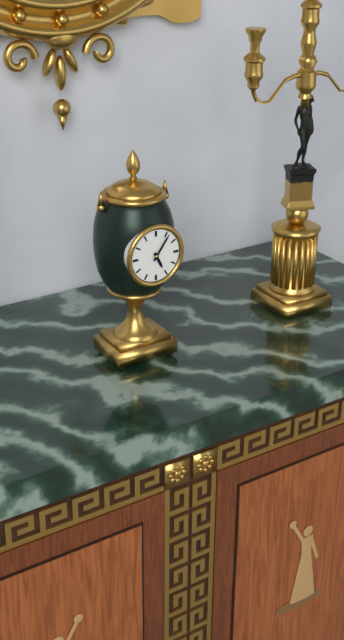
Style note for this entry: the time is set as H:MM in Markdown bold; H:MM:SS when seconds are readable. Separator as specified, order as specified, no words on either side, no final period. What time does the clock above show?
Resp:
**5:06**
